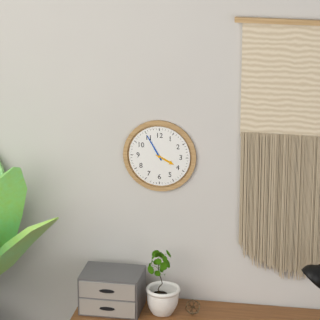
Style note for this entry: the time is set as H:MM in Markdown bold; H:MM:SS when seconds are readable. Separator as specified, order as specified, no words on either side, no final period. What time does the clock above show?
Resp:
**3:55**
